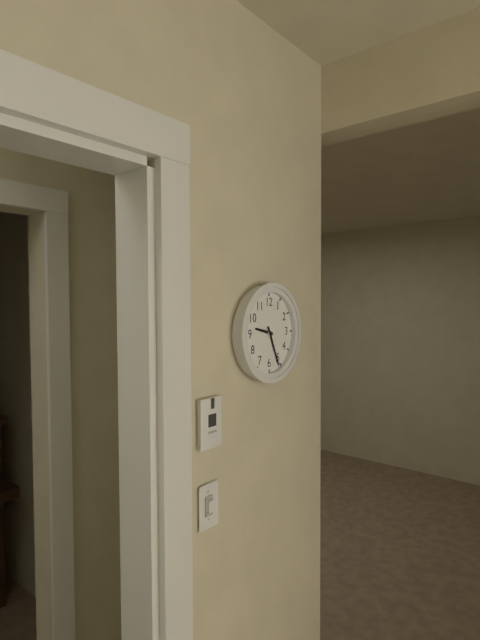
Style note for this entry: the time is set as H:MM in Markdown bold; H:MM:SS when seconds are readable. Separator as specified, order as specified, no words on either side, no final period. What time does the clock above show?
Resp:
**9:26**
